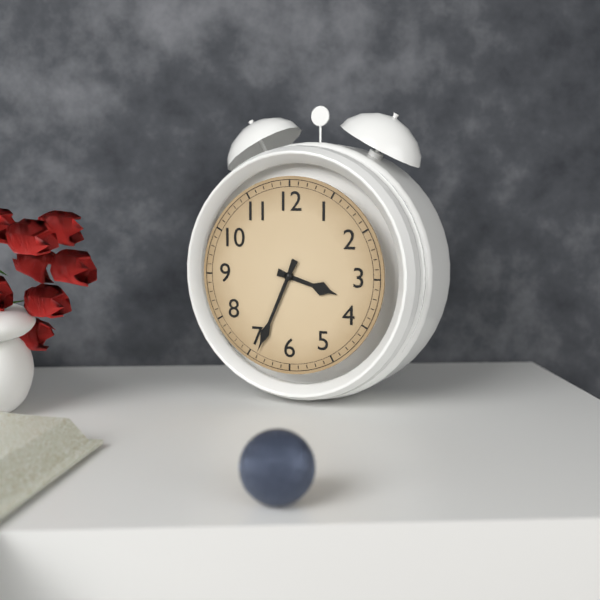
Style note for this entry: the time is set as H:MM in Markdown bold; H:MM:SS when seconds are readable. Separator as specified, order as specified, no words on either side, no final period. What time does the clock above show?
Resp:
**3:34**
